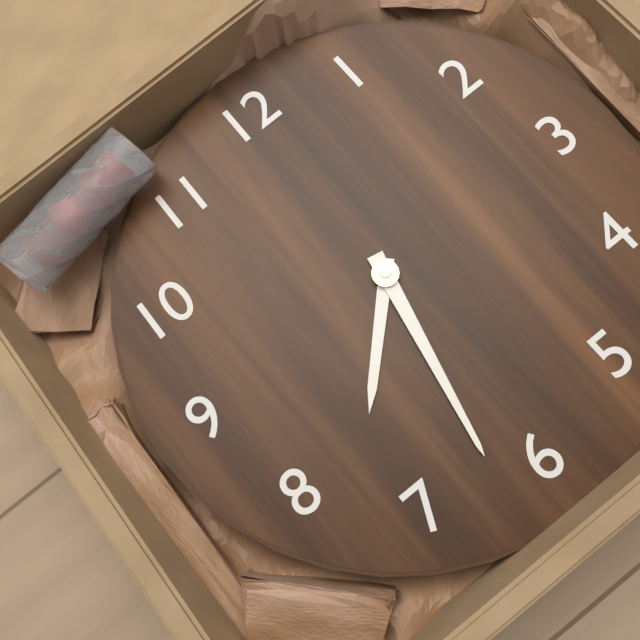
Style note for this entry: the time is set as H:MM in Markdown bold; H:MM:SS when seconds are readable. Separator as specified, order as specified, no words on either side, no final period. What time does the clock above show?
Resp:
**7:32**
